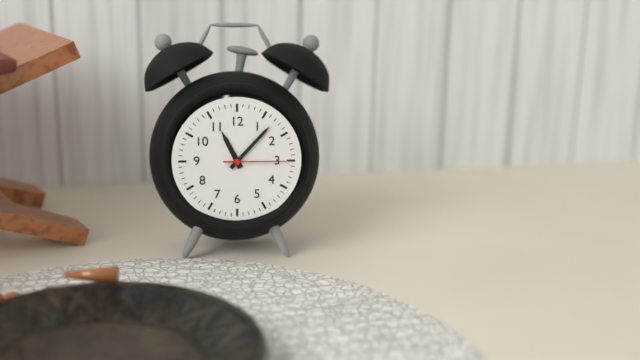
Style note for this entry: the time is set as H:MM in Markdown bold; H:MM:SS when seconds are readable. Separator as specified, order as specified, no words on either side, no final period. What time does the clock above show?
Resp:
**11:07:15**
